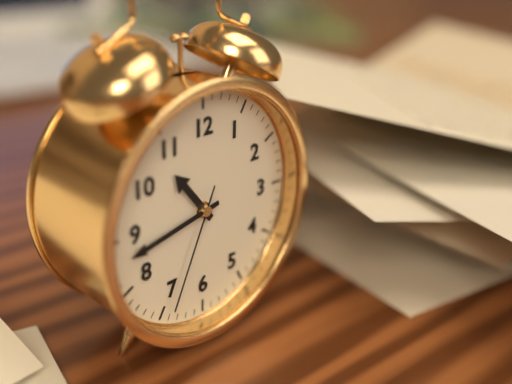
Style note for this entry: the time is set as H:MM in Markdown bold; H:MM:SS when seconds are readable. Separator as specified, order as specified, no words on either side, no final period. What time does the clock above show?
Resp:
**10:43:34**
